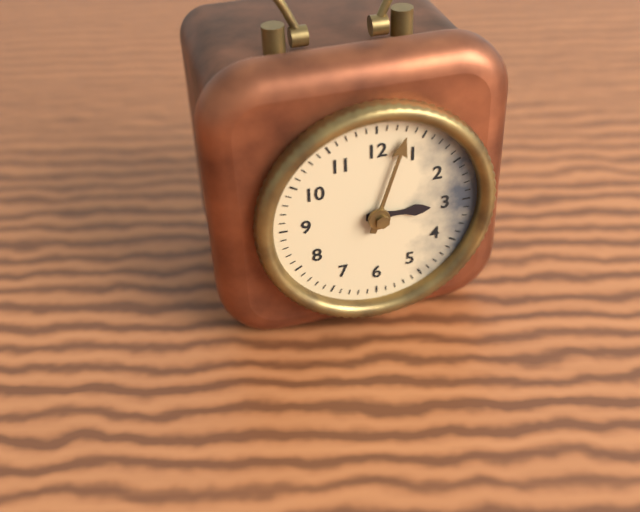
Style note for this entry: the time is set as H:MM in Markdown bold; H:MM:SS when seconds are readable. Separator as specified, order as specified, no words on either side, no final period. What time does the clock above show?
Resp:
**3:03**
